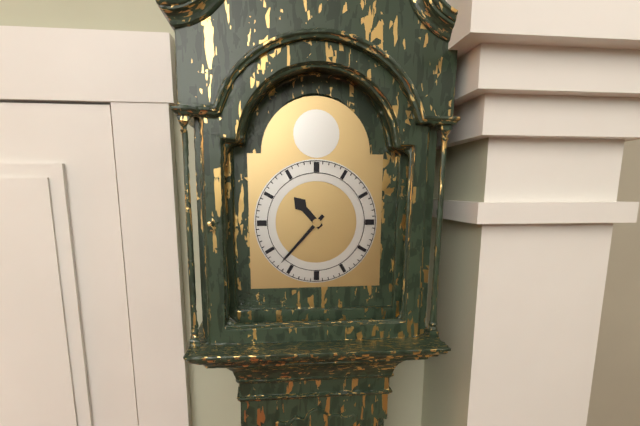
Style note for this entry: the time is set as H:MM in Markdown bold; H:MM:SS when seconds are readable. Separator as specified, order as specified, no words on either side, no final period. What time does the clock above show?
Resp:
**10:37**
